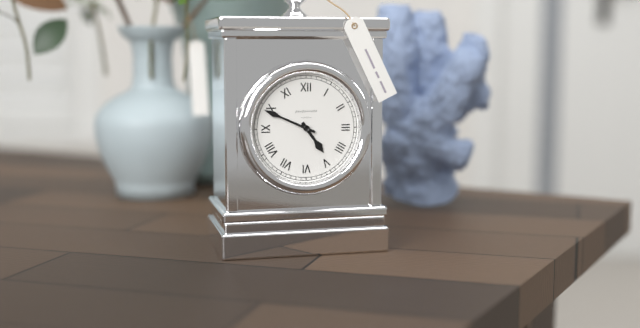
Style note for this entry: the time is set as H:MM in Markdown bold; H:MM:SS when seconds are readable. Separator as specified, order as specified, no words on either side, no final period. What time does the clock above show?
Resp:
**4:49**
